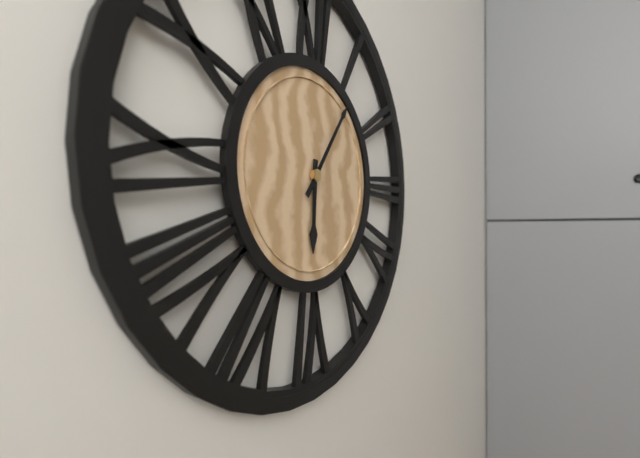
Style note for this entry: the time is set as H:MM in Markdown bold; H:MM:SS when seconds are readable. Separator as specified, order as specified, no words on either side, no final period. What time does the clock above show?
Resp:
**6:06**
